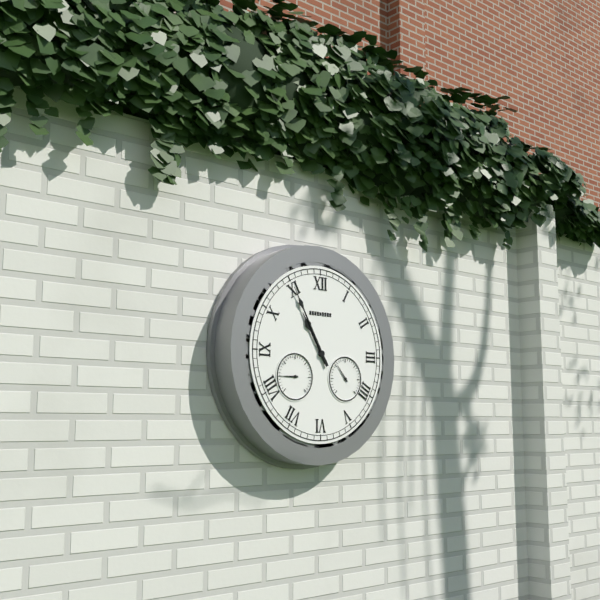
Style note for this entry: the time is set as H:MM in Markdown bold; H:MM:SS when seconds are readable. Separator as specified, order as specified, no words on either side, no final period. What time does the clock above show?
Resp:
**10:55**
